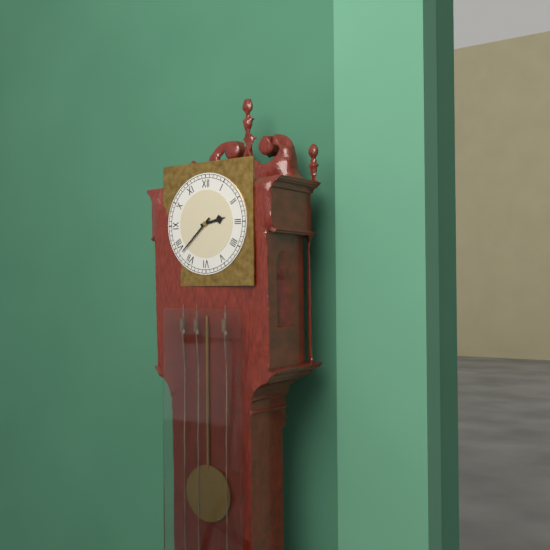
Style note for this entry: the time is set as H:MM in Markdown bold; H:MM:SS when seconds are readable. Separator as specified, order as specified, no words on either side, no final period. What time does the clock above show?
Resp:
**2:38**
